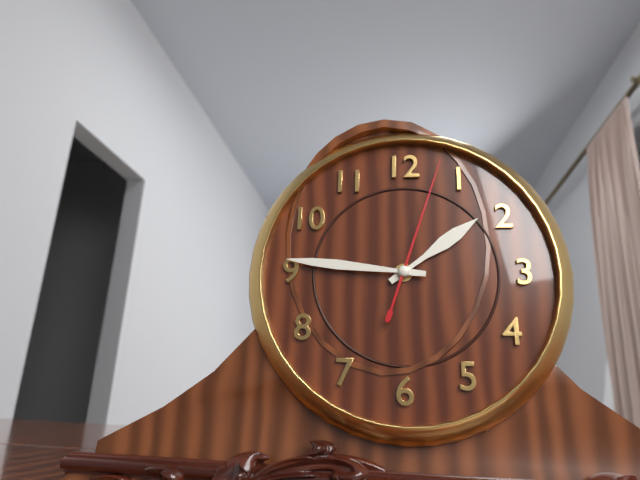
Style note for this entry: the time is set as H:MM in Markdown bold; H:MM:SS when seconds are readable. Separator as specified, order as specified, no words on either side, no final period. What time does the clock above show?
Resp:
**1:46:03**
